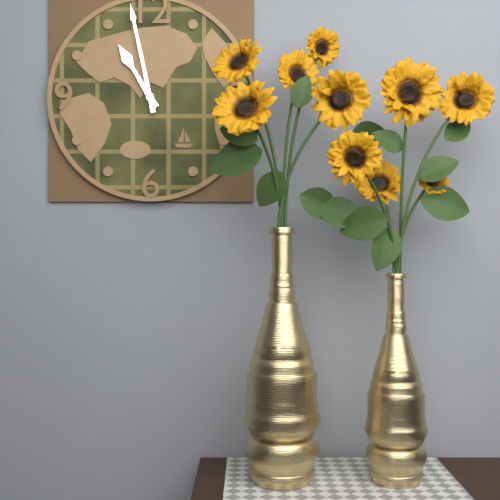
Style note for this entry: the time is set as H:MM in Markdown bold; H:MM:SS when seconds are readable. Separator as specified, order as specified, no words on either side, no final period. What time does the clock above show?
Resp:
**10:58**
